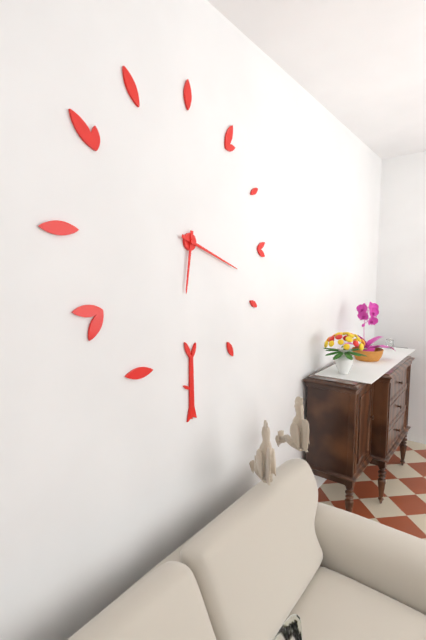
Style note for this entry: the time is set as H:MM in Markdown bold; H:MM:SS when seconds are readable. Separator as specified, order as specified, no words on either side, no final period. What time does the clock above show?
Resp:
**6:18**
